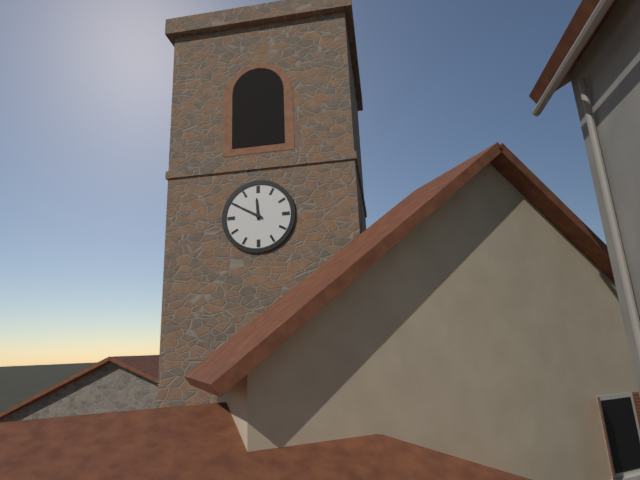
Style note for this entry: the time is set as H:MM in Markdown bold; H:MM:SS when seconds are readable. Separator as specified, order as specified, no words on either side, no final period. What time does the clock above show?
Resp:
**11:50**
